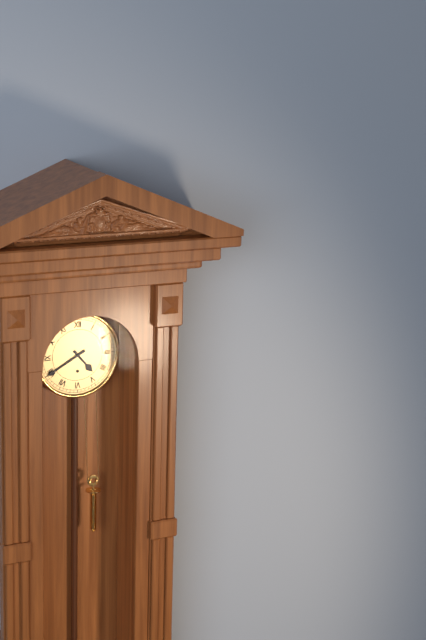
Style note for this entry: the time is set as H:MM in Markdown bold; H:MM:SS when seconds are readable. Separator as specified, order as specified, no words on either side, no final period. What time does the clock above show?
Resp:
**4:40**
